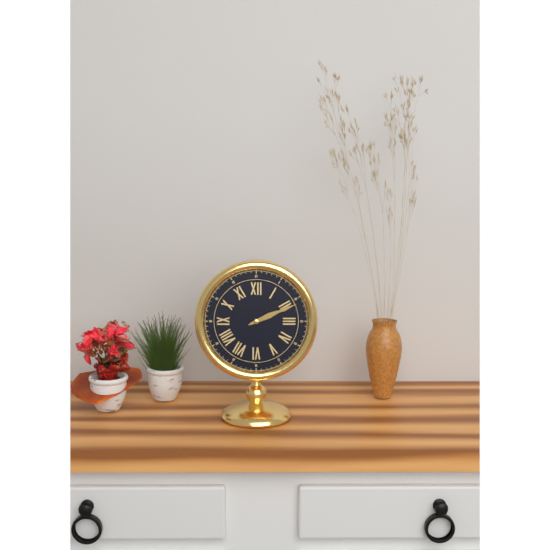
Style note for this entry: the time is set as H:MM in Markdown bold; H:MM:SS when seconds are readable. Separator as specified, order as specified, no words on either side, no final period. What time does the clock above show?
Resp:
**2:11**
